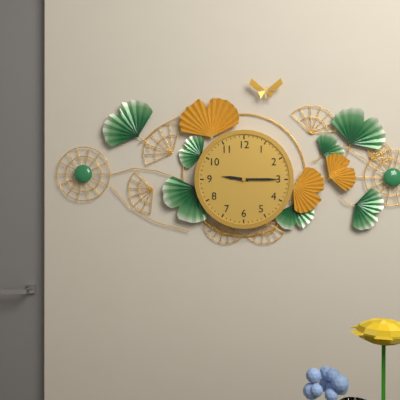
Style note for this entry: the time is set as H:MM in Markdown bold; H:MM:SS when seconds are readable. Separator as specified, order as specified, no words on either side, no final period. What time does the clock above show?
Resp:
**9:15**
